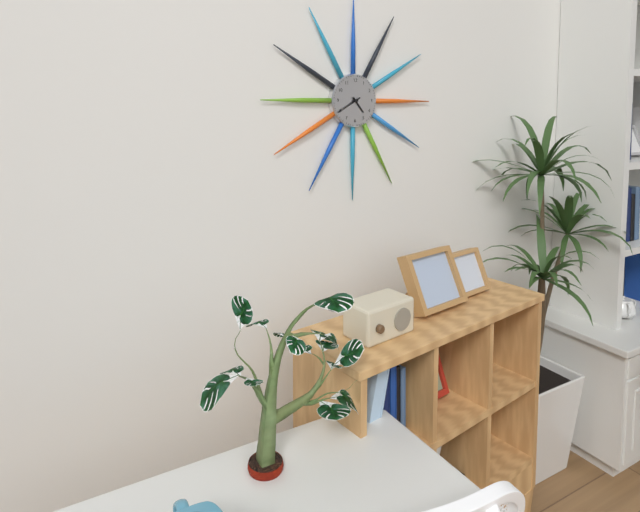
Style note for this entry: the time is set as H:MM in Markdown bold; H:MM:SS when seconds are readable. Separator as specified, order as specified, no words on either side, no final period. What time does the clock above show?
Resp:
**4:40**
